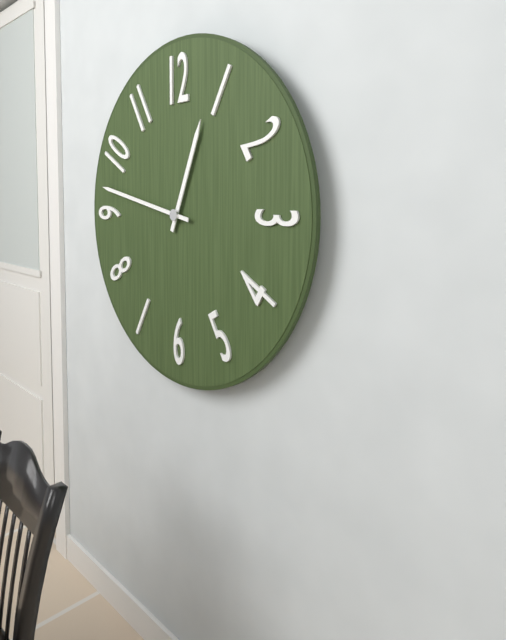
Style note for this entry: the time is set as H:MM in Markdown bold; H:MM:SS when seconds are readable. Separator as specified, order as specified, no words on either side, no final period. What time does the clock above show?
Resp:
**12:47**
